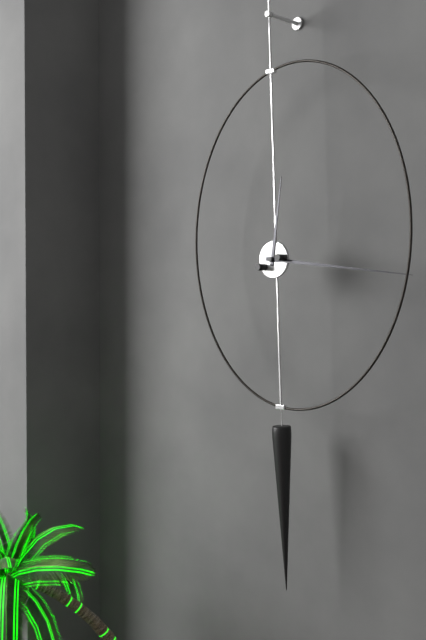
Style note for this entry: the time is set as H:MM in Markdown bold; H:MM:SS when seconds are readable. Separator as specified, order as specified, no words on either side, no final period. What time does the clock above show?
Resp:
**12:16**
